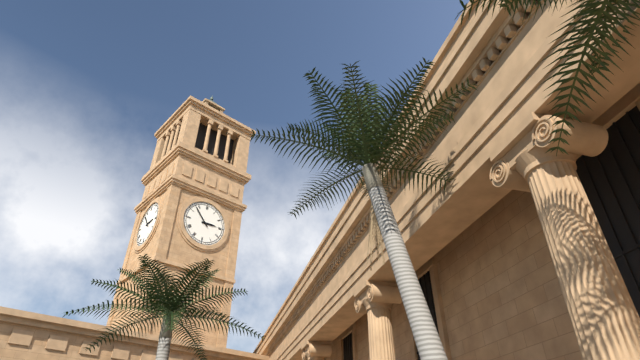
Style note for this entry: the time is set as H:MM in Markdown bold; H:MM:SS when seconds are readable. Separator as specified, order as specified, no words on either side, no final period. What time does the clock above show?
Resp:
**2:53**
